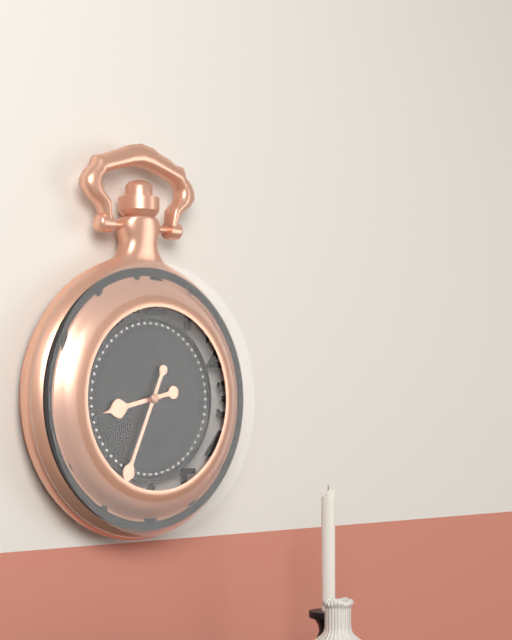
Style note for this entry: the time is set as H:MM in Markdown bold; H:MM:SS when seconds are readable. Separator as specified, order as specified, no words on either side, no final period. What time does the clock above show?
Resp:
**8:34**
